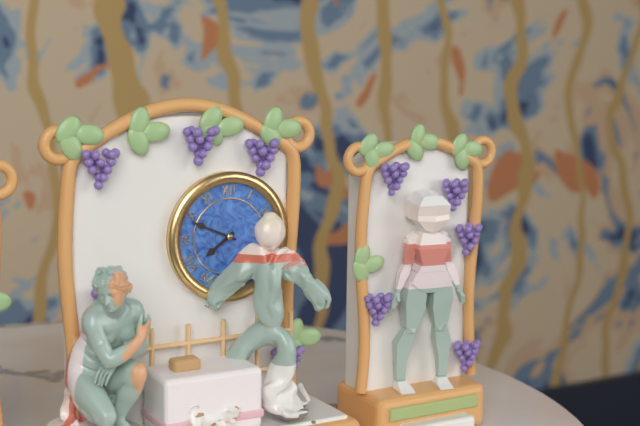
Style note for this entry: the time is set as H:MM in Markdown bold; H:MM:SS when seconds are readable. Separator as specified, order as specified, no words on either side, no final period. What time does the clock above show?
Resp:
**7:49**
